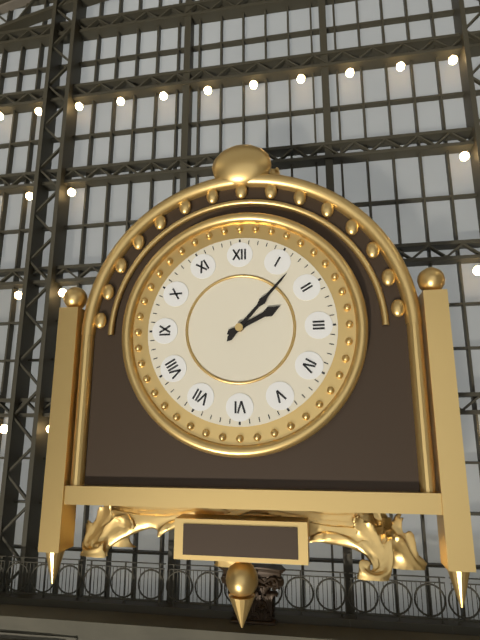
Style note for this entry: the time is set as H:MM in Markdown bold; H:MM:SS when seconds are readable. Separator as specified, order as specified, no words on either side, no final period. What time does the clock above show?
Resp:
**2:07**
